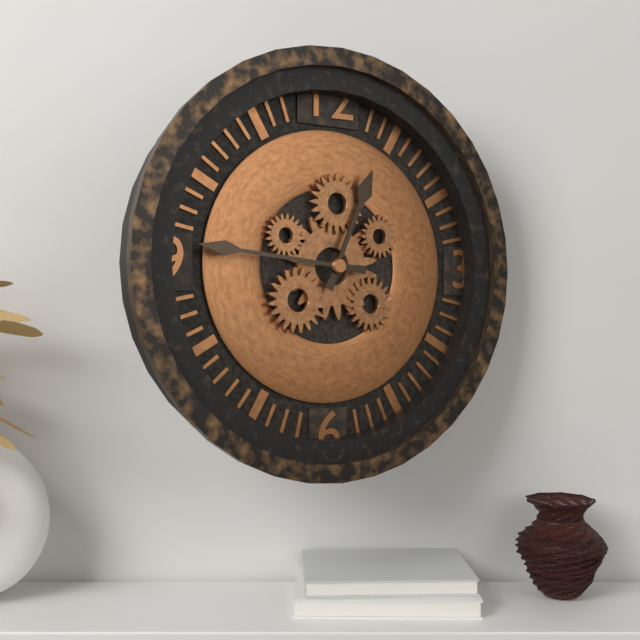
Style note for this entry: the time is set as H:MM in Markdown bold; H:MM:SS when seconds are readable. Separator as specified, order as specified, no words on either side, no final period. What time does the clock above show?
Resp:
**12:46**
